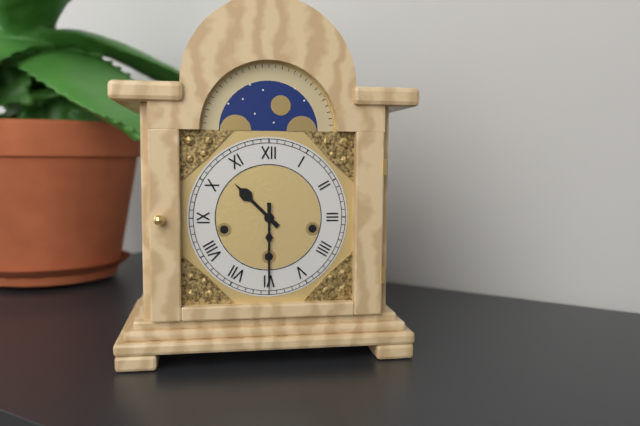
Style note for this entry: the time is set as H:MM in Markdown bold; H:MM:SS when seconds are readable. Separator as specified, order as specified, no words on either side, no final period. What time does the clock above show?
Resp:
**10:30**
